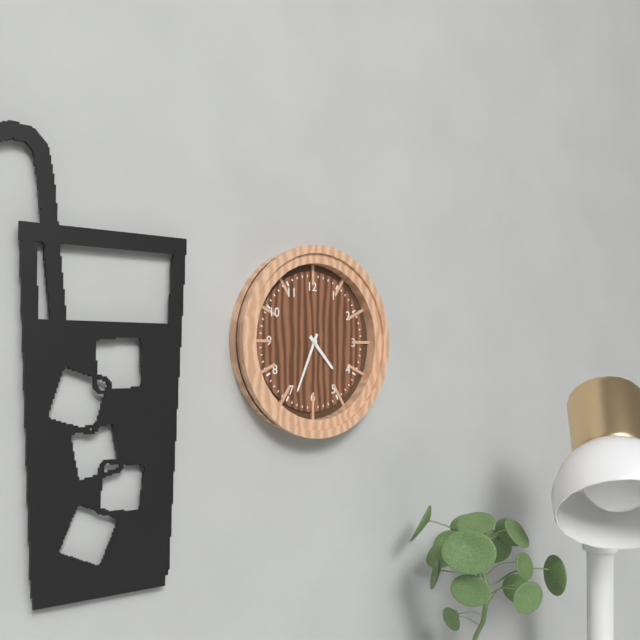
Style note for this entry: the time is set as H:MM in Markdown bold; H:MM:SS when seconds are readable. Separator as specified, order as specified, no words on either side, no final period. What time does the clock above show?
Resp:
**4:34**
